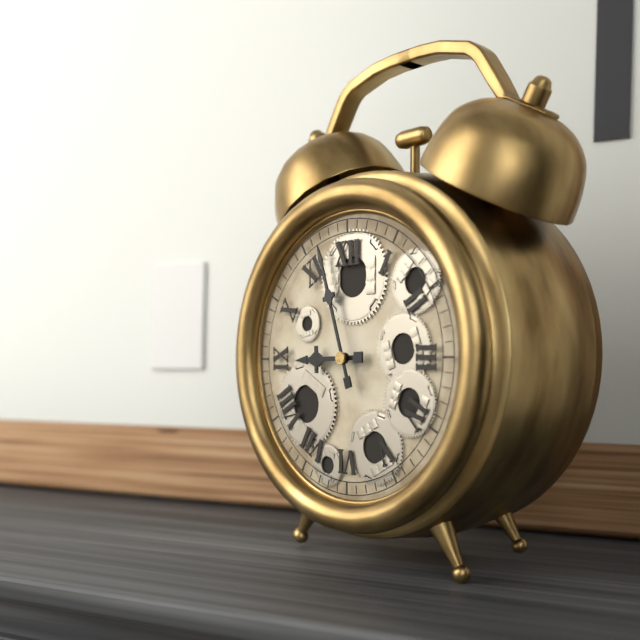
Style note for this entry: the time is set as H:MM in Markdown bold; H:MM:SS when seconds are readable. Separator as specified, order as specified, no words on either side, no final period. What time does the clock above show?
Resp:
**8:57**
